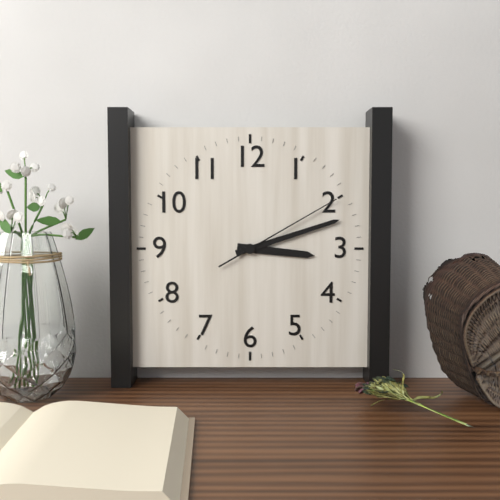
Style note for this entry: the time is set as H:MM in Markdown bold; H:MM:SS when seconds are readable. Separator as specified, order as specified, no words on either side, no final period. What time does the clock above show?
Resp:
**3:12:10**
